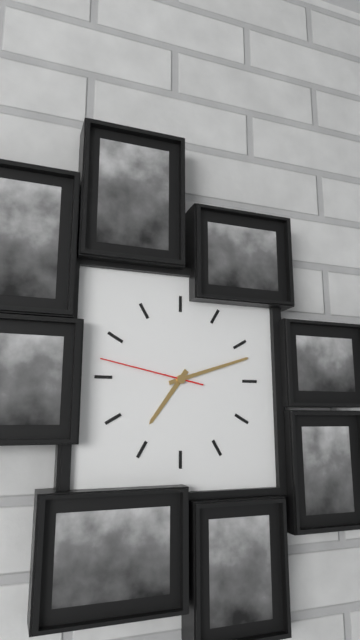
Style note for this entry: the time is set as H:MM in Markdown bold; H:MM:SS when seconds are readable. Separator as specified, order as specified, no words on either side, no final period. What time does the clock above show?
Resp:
**7:12:47**
